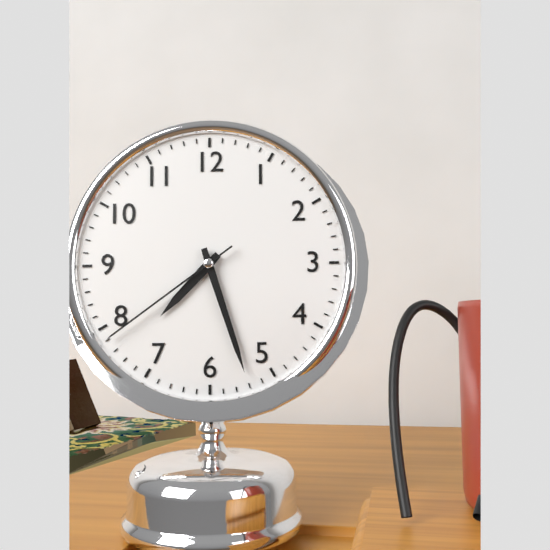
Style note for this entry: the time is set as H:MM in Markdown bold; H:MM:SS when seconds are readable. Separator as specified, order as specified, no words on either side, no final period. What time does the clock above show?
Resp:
**7:27:39**
